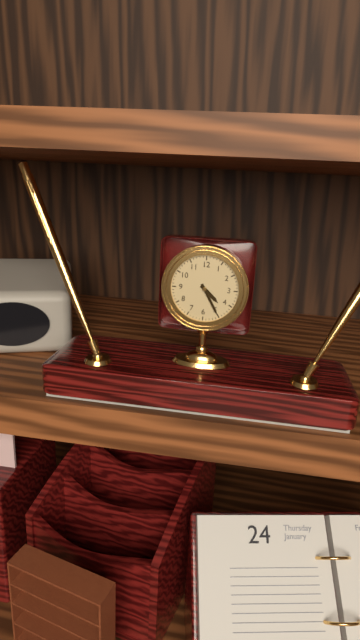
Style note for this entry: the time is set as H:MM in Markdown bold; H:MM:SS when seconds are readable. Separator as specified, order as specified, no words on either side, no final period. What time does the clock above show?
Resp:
**4:25**
